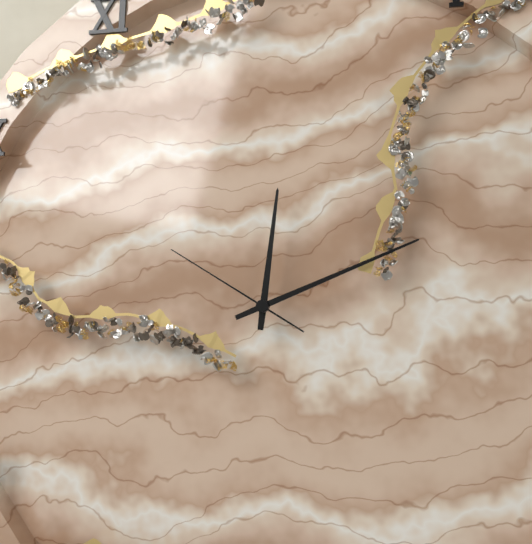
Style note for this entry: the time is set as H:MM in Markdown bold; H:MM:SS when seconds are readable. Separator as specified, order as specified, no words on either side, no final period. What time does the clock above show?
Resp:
**12:11:50**
